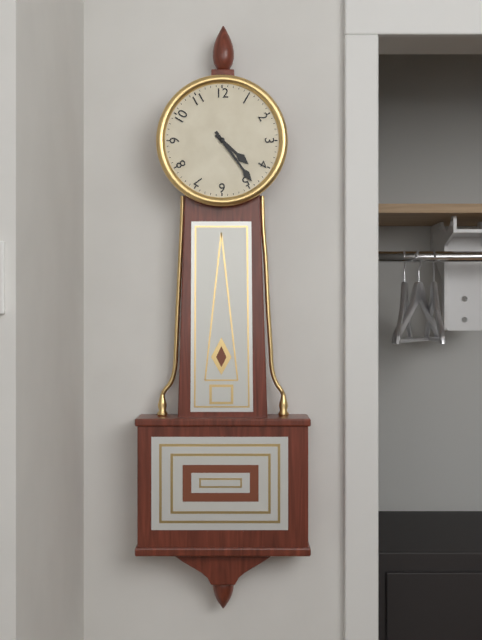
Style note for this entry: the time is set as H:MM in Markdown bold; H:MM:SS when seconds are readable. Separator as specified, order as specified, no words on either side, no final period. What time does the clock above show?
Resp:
**4:24**
